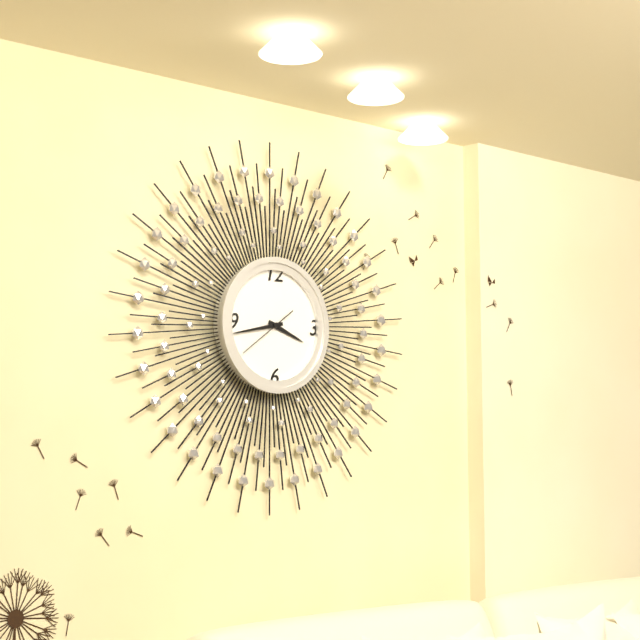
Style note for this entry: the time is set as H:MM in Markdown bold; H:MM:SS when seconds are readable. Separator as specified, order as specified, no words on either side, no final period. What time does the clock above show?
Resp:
**3:43:39**
